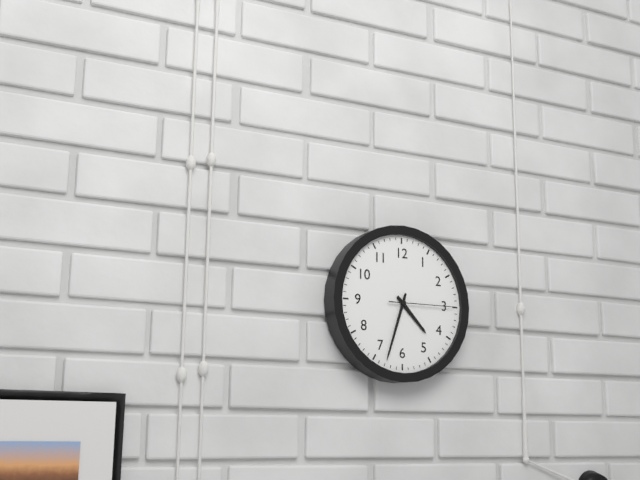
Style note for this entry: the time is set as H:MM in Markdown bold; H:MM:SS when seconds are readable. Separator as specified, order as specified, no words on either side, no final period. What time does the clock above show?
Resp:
**4:33:15**
